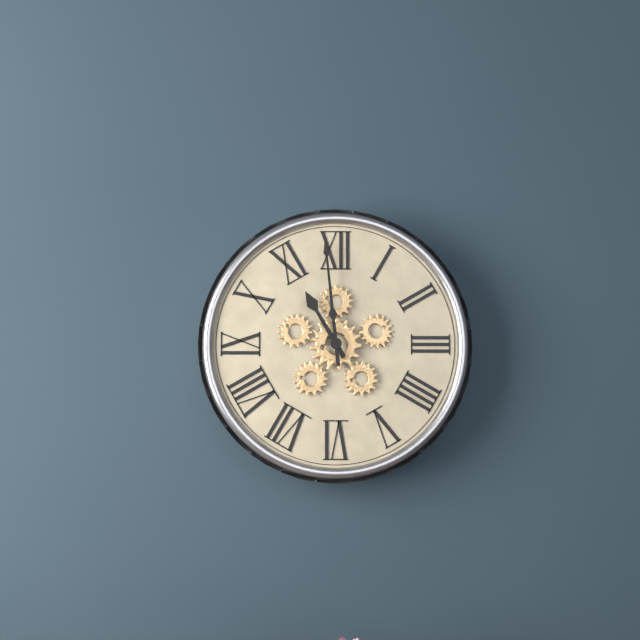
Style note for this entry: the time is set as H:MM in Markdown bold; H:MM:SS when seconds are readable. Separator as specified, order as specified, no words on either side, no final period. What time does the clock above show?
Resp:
**10:59**
